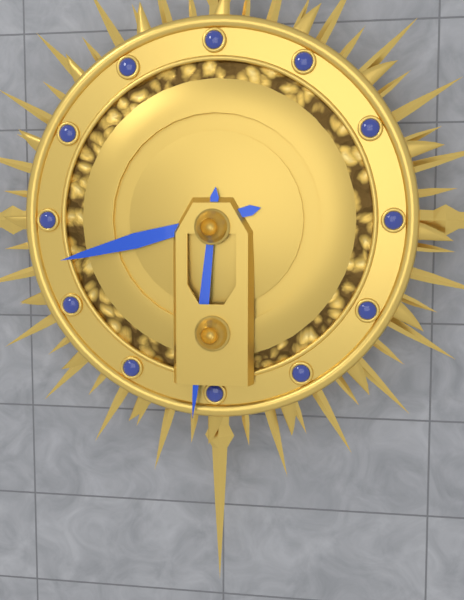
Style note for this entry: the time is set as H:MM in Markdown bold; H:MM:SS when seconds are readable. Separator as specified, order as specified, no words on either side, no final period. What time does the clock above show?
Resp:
**8:31**
